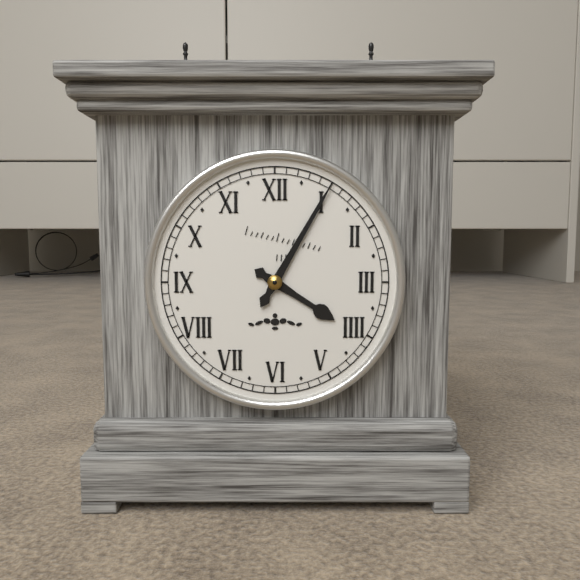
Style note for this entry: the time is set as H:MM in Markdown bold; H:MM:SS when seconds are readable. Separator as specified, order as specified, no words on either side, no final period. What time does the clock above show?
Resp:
**4:05**
